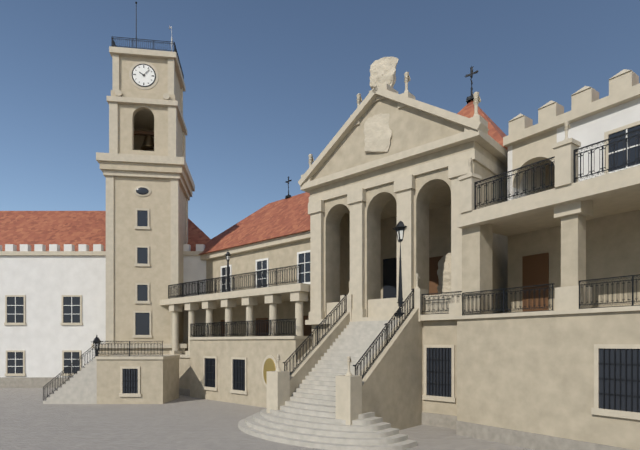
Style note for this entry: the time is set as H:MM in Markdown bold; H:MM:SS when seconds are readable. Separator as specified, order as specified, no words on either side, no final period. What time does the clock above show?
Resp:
**10:07**
